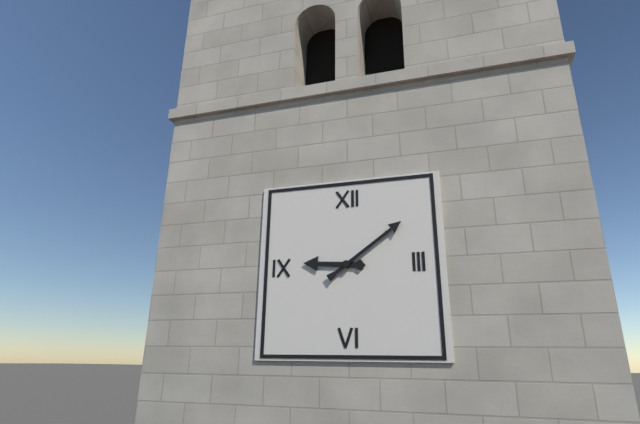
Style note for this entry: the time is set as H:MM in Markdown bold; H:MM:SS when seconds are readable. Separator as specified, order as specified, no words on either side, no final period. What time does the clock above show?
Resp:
**9:09**
